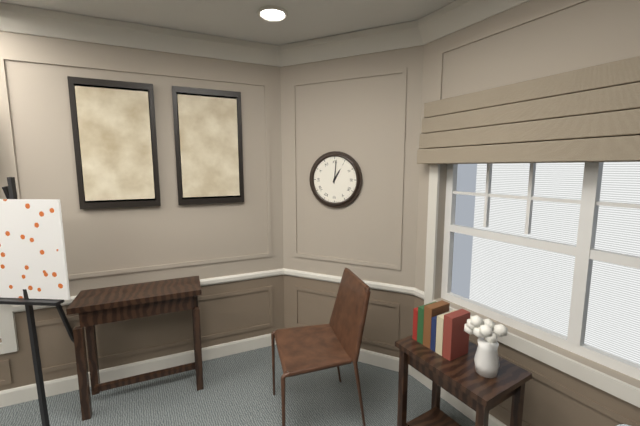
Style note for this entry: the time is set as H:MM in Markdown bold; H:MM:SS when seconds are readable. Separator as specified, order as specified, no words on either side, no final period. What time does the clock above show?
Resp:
**1:01**
